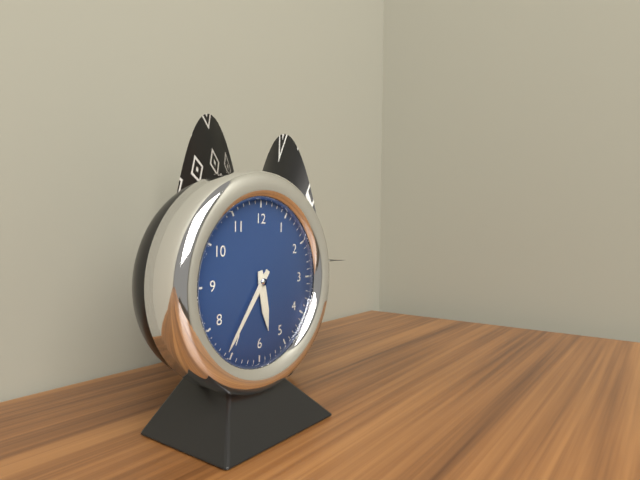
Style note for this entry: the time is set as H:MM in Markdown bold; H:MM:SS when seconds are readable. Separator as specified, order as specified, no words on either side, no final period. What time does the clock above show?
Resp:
**5:36**
